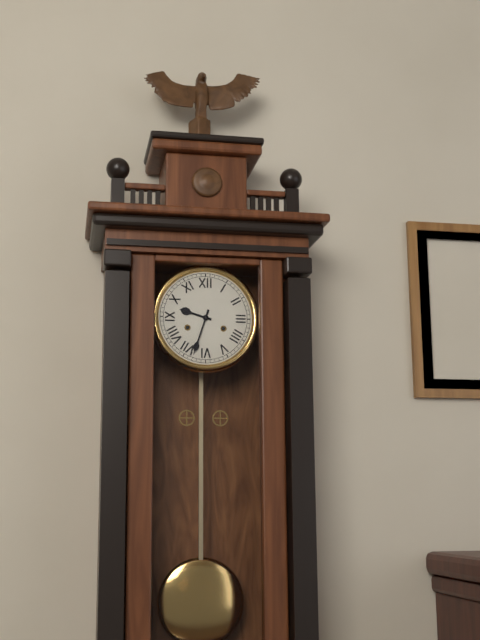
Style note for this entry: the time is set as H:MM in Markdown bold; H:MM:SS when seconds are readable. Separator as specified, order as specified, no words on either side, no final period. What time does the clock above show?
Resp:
**9:33**
